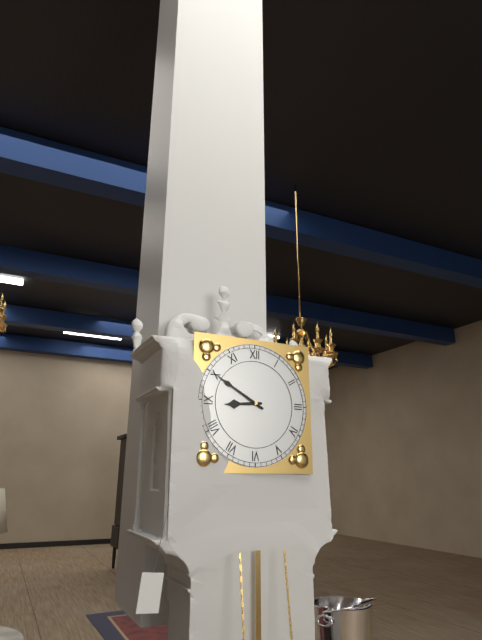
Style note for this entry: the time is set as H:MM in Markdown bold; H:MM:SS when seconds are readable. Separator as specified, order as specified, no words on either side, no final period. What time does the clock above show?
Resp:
**8:50**
